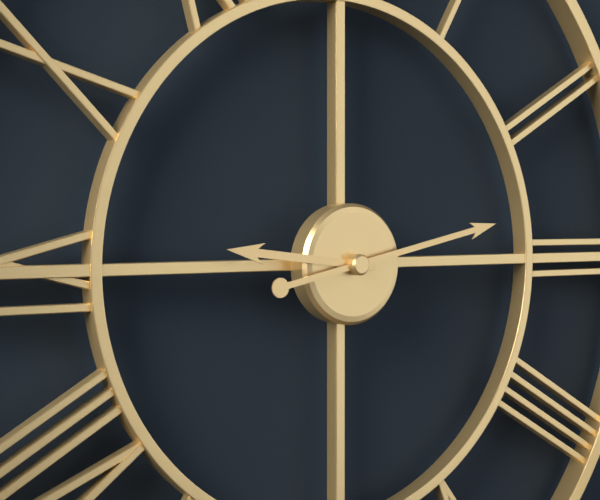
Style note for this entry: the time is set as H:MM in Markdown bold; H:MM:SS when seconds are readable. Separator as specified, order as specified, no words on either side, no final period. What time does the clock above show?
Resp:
**9:13**
